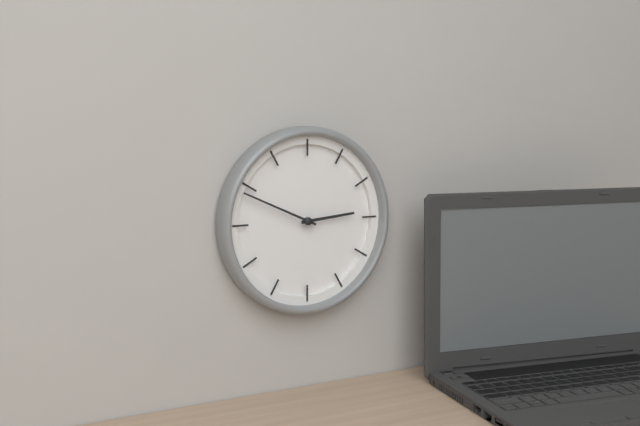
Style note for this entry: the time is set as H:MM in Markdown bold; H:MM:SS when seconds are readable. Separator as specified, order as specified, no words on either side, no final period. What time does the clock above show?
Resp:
**2:49**
